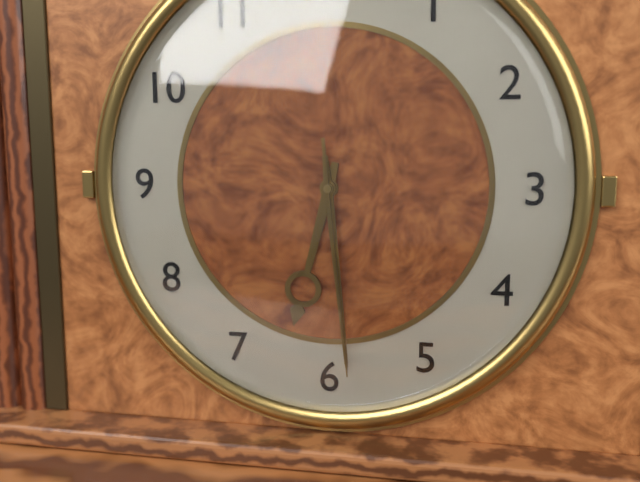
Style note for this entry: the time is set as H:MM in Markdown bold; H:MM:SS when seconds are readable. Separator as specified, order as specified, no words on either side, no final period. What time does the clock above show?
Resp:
**6:29:29**
